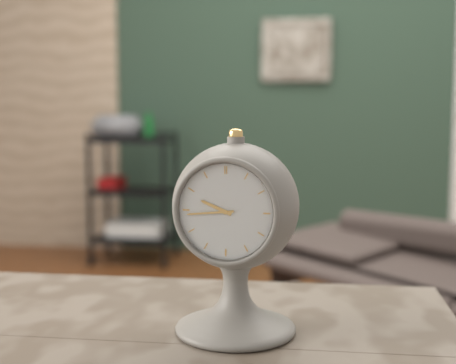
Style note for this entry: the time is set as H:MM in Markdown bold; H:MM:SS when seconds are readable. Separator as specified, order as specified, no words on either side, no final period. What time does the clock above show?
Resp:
**9:44**
